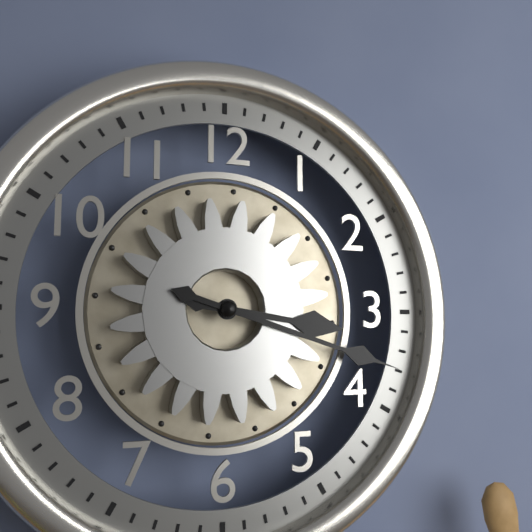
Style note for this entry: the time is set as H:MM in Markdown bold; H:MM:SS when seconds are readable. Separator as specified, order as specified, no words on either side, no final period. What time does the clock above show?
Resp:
**3:18**
